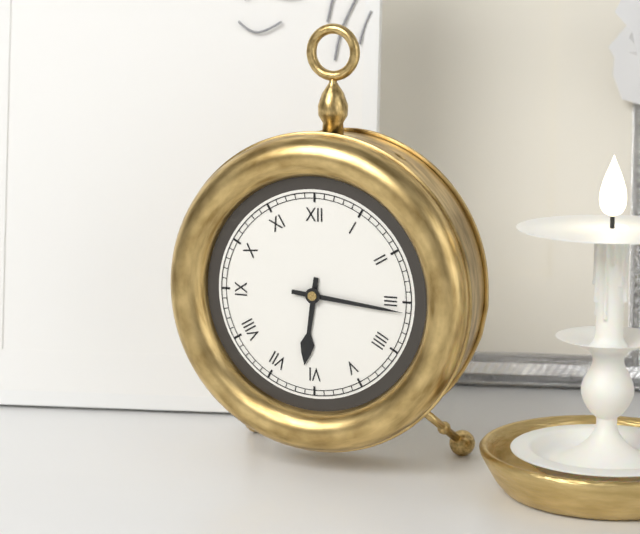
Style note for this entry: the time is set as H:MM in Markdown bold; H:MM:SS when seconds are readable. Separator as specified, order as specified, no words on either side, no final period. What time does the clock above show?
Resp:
**6:16**
